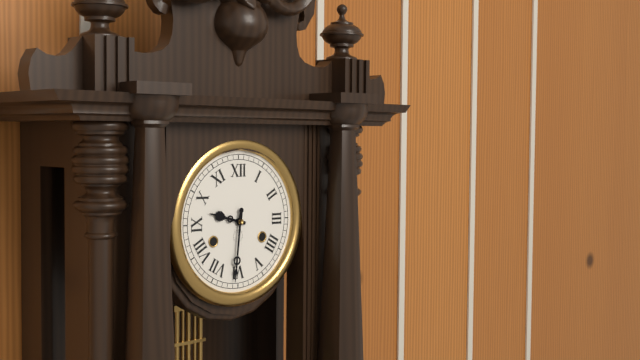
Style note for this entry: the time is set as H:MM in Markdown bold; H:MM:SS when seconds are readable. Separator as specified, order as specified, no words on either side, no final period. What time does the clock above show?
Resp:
**9:31**
